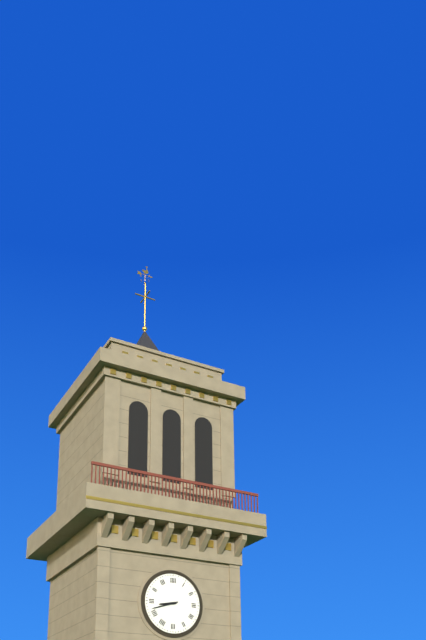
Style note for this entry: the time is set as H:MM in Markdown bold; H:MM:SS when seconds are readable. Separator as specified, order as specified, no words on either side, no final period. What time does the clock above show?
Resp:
**8:42**
